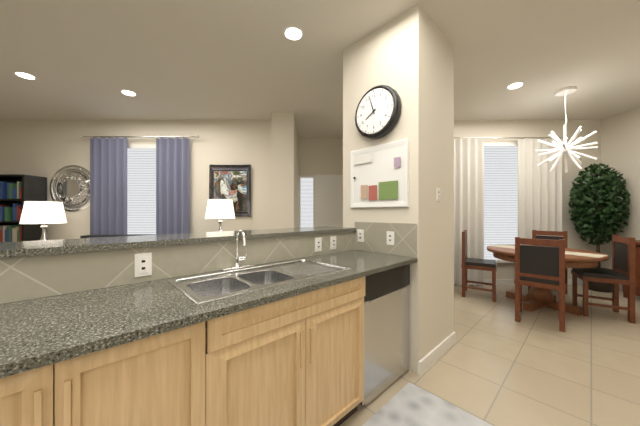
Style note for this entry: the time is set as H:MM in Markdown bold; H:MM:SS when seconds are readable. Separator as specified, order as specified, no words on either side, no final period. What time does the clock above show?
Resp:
**7:57**
